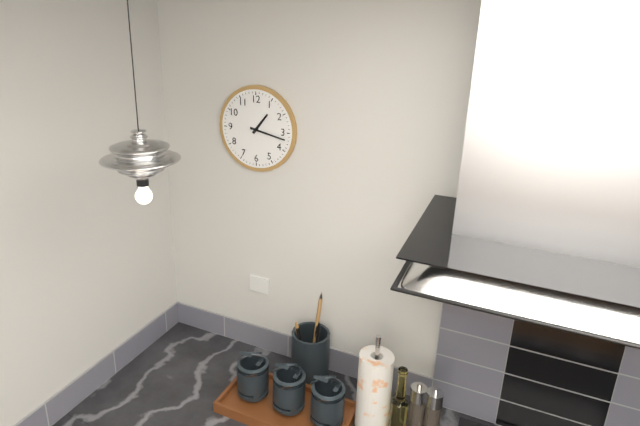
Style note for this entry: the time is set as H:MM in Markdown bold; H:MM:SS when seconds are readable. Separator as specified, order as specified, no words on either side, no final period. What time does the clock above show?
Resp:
**1:17**
